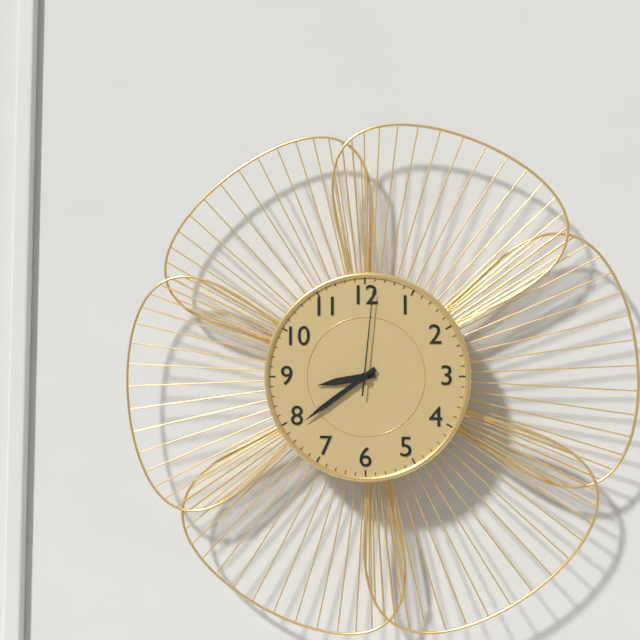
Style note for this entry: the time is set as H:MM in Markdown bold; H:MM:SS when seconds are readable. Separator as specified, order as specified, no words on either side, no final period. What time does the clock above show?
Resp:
**8:39:01**
